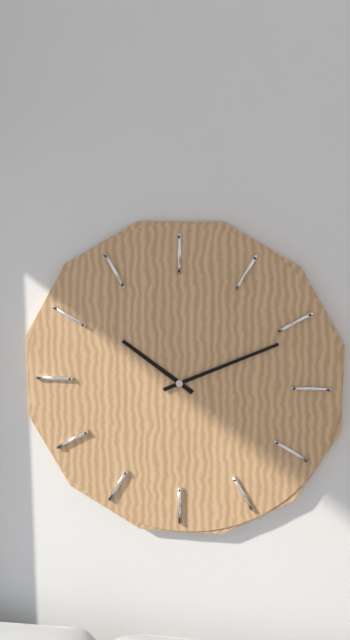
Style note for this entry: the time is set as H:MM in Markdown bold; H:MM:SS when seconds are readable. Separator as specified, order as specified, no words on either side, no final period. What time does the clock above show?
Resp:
**10:11**
